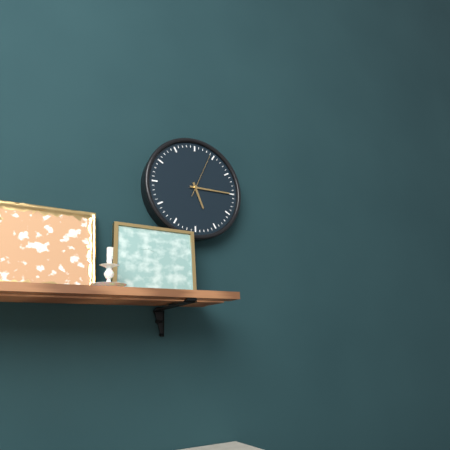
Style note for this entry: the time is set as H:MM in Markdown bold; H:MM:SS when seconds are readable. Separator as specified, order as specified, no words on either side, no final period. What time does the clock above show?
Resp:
**5:15:04**
